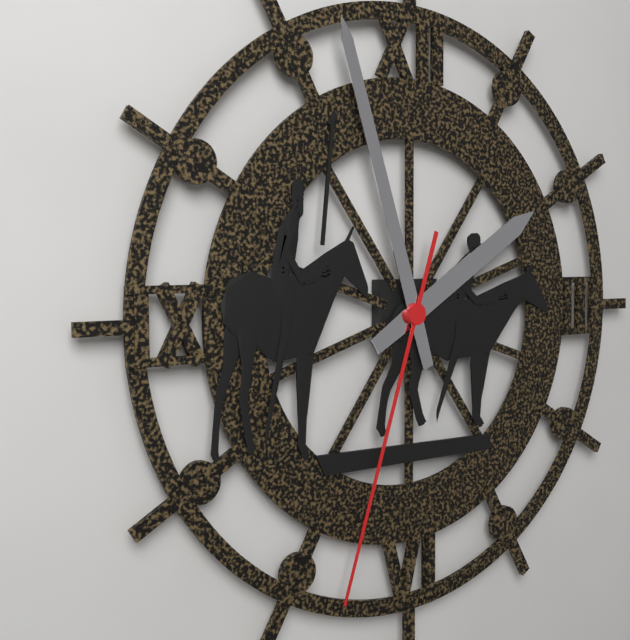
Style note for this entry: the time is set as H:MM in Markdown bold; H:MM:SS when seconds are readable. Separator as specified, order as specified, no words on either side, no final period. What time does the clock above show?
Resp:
**1:57:33**
